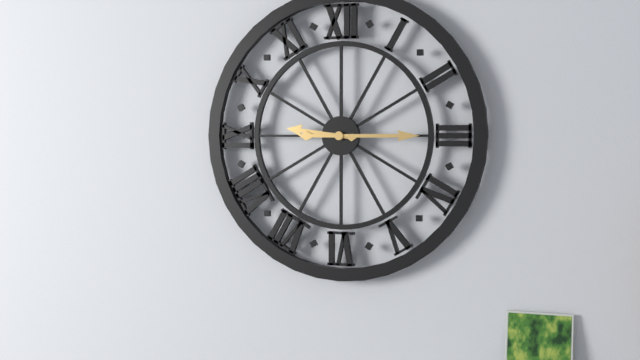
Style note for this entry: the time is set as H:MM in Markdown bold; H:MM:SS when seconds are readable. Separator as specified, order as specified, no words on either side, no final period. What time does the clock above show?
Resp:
**9:15**
